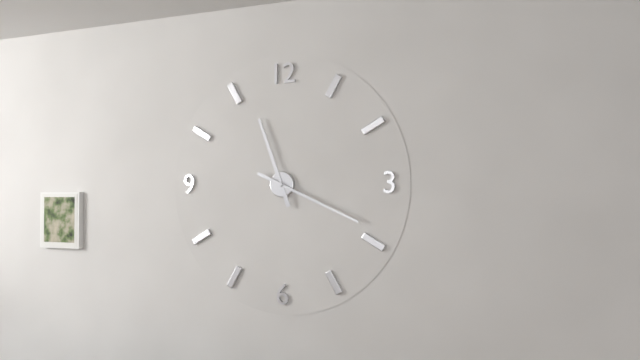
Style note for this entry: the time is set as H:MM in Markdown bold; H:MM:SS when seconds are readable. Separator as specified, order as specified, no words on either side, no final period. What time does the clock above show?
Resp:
**11:19**
